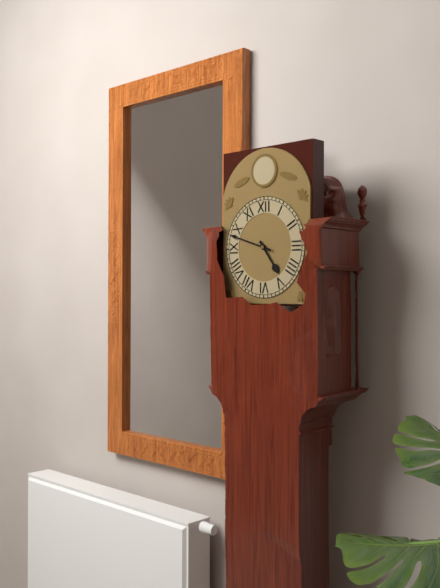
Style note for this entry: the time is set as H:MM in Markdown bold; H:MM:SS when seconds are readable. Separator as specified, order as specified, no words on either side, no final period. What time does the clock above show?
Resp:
**4:48**
